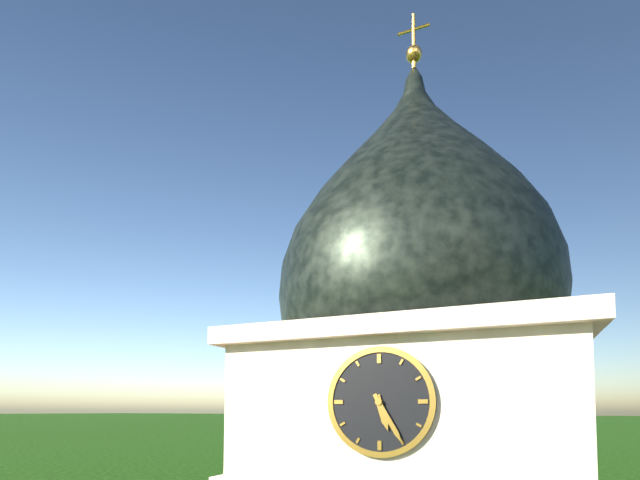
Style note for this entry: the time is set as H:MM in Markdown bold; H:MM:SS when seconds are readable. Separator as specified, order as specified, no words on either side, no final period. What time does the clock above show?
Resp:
**5:25**
